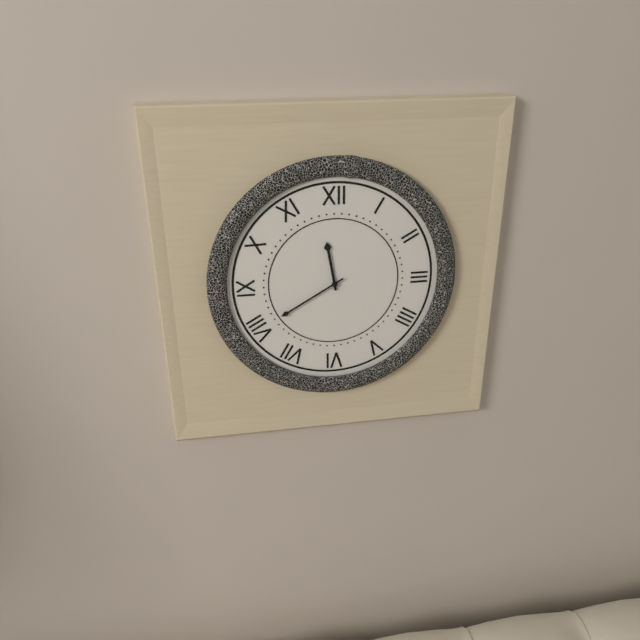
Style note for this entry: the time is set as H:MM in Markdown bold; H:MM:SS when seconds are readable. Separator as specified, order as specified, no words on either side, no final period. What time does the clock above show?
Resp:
**11:40**
